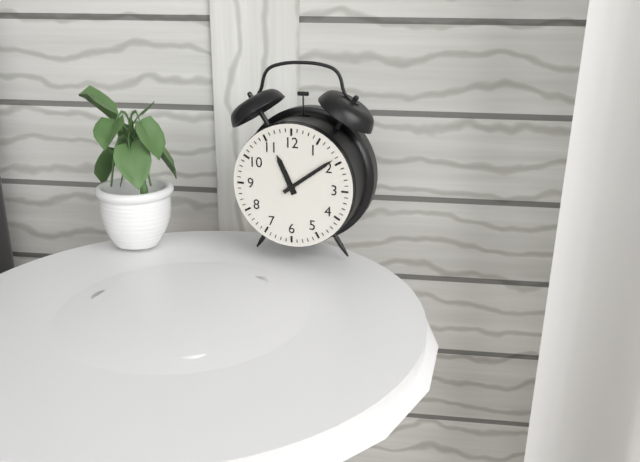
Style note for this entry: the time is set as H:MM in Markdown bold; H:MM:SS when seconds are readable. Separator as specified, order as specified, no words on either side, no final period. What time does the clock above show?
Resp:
**11:09**
